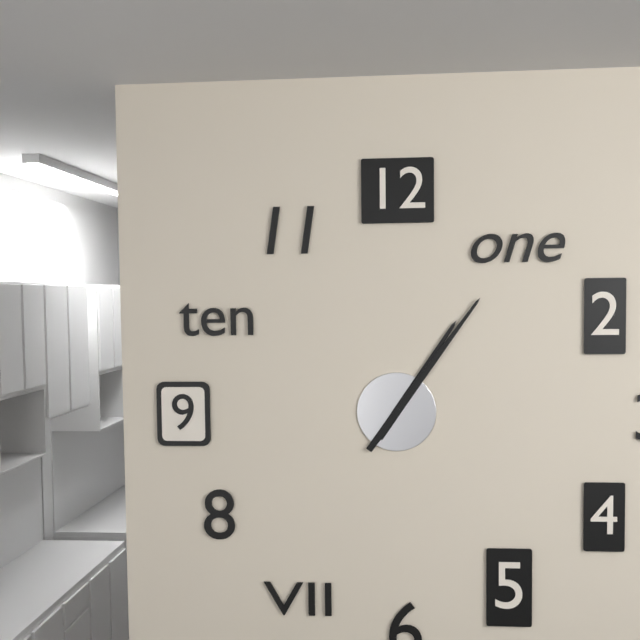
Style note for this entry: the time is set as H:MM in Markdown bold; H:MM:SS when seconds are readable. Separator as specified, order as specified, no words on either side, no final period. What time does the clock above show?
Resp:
**1:06**
